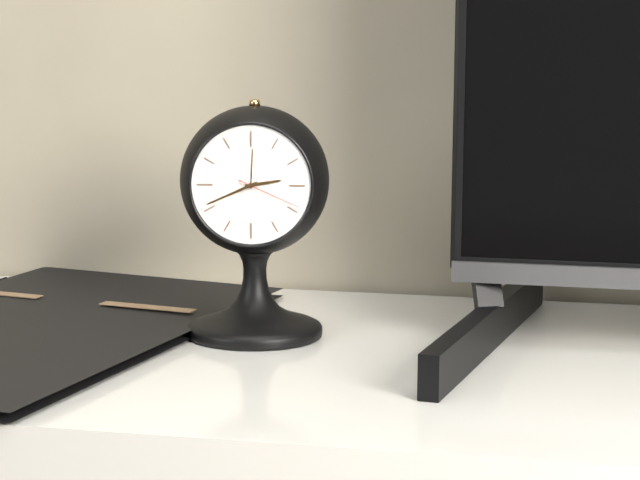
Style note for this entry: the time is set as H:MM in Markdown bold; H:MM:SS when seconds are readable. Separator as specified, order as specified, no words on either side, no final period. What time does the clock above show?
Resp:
**2:41:19**
